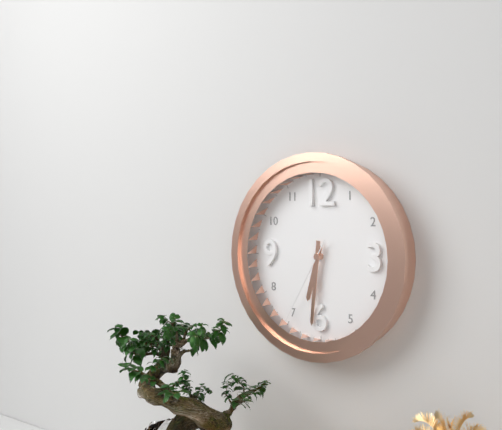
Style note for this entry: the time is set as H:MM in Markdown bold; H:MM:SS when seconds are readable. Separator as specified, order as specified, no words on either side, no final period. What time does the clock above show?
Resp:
**6:31:35**
